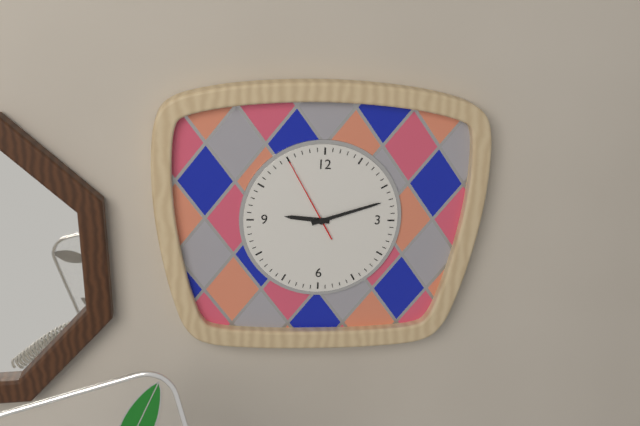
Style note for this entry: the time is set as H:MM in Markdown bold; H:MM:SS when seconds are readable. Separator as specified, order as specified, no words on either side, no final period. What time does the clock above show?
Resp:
**9:12:55**
